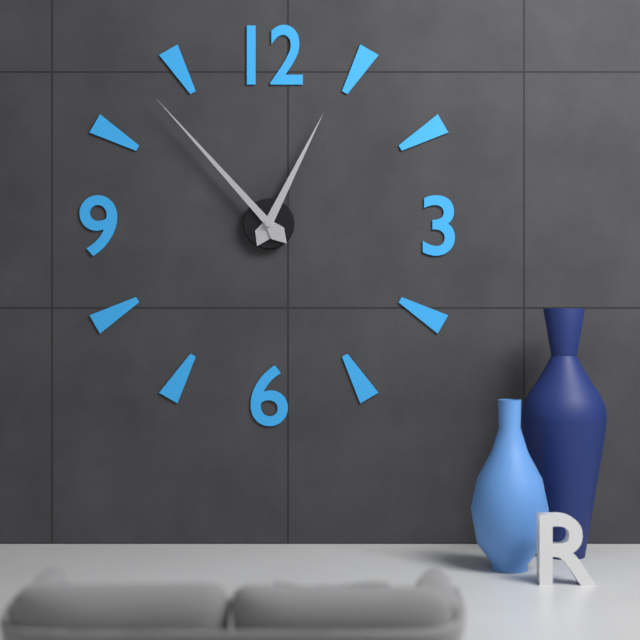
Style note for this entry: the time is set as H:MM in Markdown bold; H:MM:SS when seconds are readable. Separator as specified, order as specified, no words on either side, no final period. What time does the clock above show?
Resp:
**12:53**
